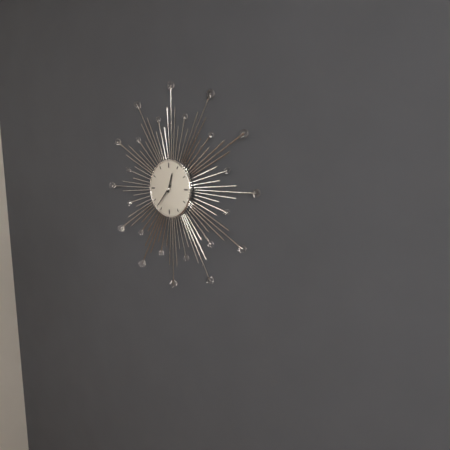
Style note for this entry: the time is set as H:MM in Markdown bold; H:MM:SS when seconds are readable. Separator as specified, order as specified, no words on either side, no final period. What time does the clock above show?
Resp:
**12:37**
